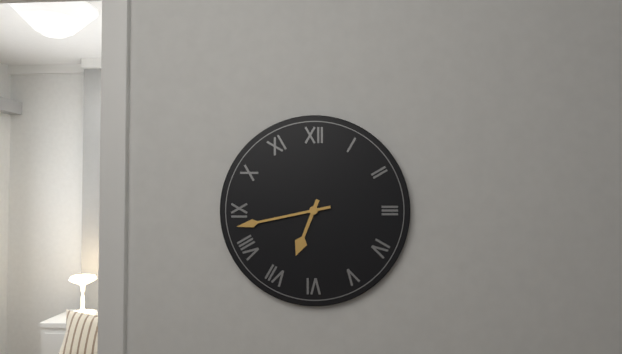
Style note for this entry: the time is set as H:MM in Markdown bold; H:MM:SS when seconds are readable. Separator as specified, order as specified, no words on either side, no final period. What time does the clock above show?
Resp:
**6:43**
